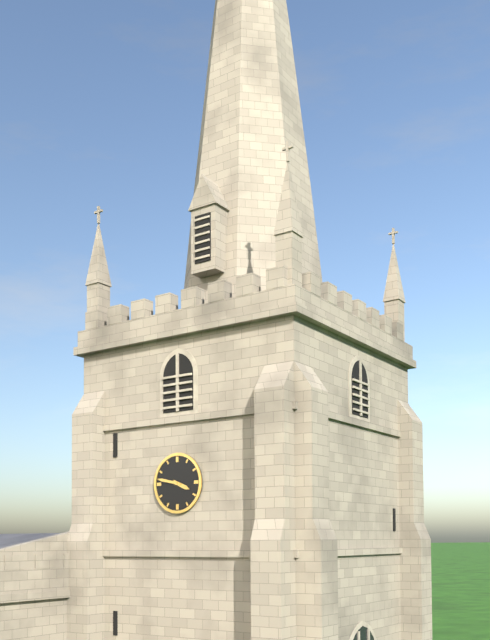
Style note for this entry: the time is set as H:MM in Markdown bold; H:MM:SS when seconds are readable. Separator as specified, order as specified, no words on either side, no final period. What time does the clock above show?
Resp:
**3:47**
